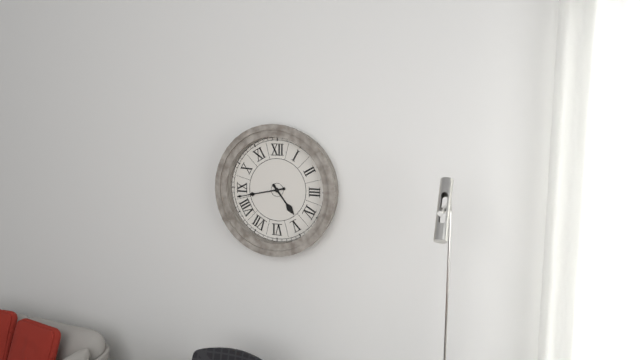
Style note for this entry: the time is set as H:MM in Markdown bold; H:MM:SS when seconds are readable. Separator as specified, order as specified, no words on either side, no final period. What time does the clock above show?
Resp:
**4:43**
